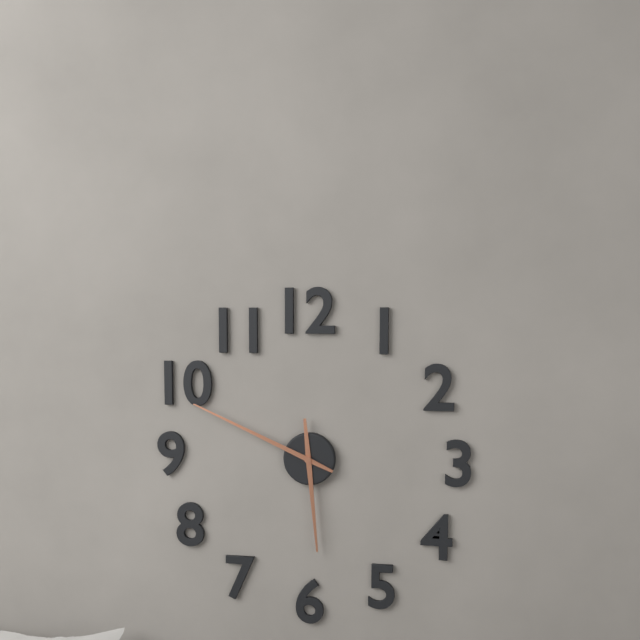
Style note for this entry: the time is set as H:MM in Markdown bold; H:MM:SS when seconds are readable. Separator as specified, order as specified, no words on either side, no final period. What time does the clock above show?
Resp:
**5:49**
